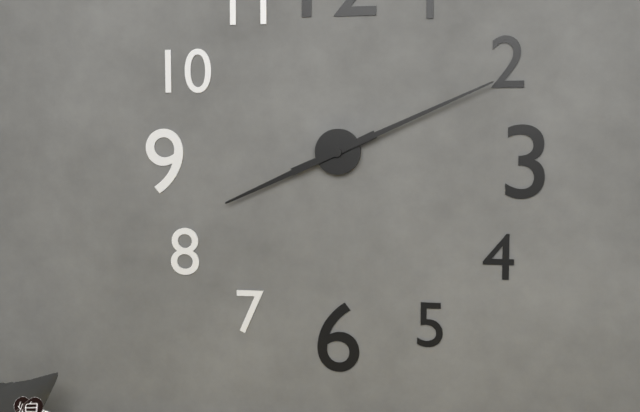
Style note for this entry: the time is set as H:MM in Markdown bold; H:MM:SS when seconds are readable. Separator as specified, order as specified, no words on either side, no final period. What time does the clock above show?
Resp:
**8:11**
